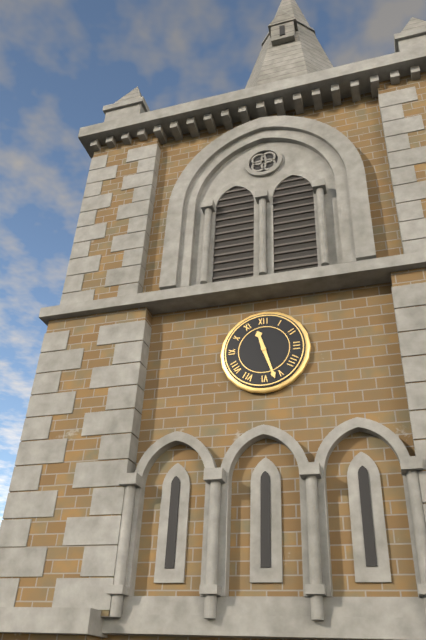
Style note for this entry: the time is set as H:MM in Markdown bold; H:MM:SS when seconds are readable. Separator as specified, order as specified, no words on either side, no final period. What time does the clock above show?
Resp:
**11:27**
